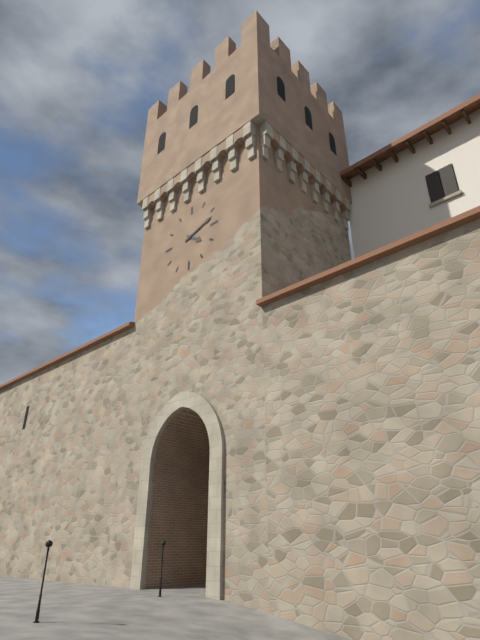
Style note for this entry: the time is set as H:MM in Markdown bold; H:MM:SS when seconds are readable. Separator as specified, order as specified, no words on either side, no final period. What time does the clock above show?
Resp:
**4:12**
